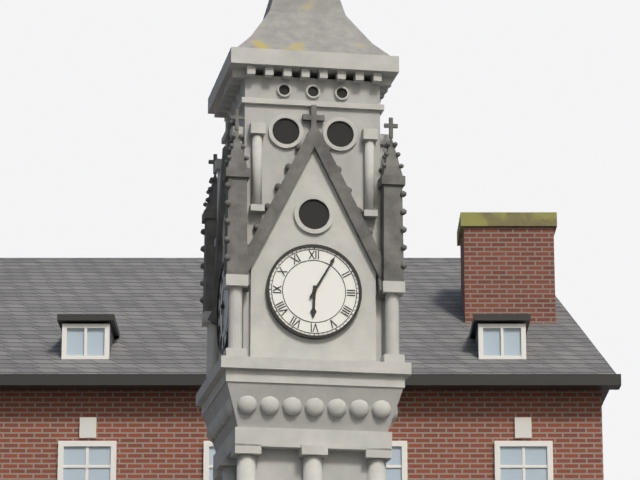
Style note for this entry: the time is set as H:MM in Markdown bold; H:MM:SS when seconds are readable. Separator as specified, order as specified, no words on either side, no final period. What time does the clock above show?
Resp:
**6:05**
